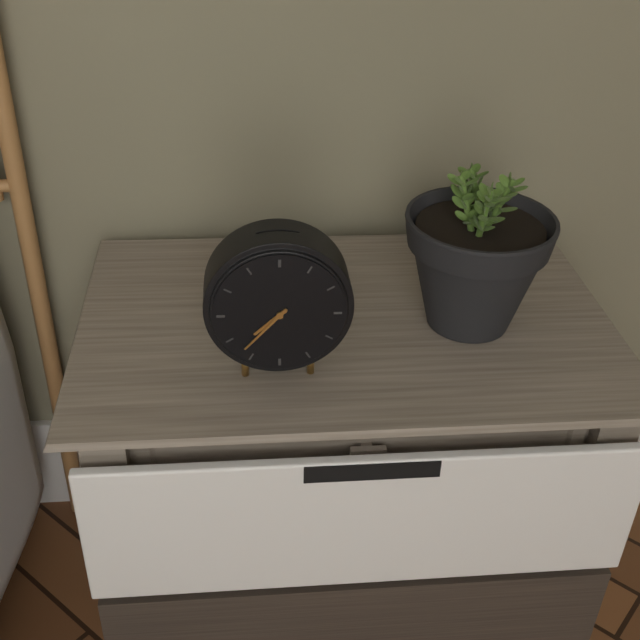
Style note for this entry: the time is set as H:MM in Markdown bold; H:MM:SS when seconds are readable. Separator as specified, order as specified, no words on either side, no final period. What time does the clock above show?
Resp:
**7:37**
